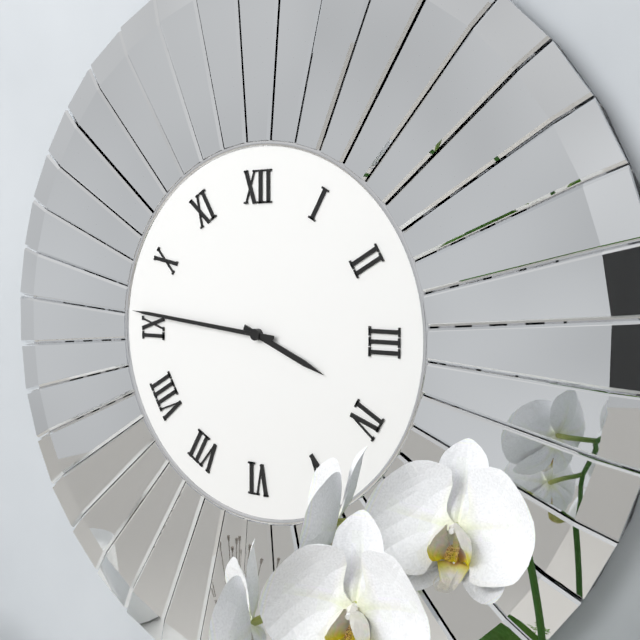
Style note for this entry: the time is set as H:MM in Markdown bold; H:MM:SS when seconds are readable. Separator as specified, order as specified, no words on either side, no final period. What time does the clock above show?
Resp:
**3:46**
